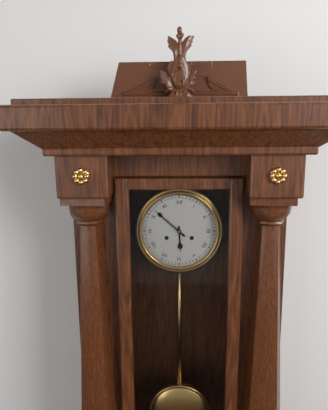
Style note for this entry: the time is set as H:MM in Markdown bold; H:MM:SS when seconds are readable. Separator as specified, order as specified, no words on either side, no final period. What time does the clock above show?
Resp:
**5:52**
